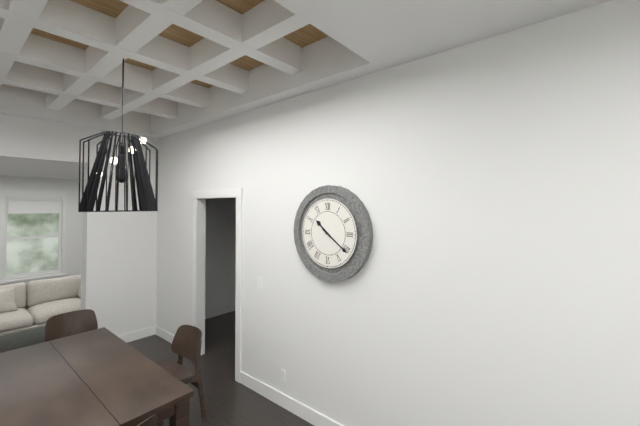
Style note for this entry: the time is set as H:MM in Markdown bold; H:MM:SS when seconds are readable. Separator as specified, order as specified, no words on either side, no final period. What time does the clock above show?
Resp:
**10:21**
